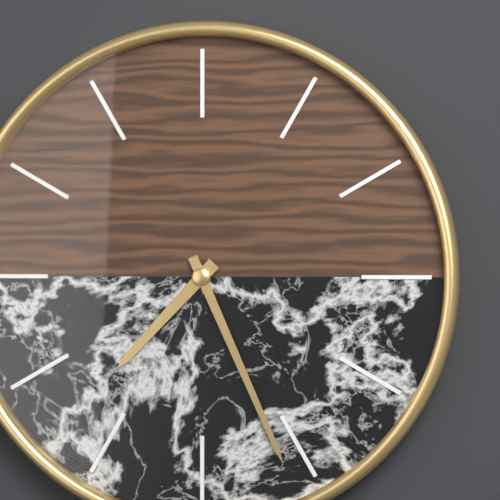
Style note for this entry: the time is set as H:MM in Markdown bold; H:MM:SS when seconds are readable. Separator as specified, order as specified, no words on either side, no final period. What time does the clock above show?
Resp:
**7:26**
